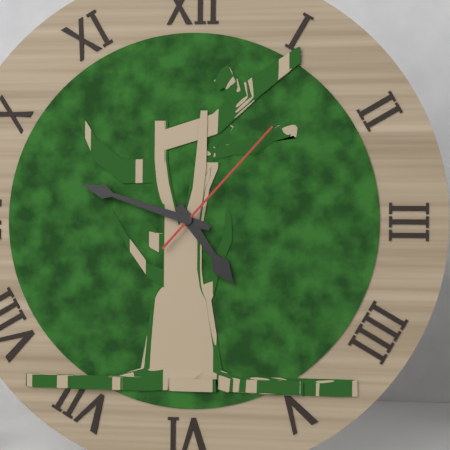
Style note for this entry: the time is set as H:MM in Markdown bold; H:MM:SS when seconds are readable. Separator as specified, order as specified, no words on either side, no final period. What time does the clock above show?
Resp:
**4:48:07**
